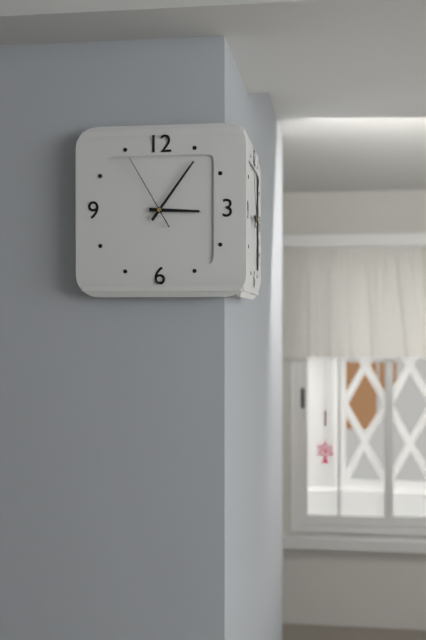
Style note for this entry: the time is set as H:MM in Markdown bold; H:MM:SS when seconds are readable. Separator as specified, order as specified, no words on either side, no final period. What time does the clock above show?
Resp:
**3:06:55**
